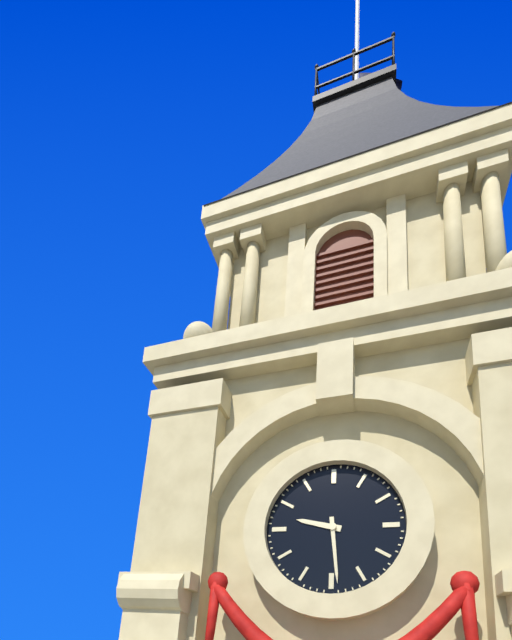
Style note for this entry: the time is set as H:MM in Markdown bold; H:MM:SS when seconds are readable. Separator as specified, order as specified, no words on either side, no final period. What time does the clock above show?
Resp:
**9:29**
